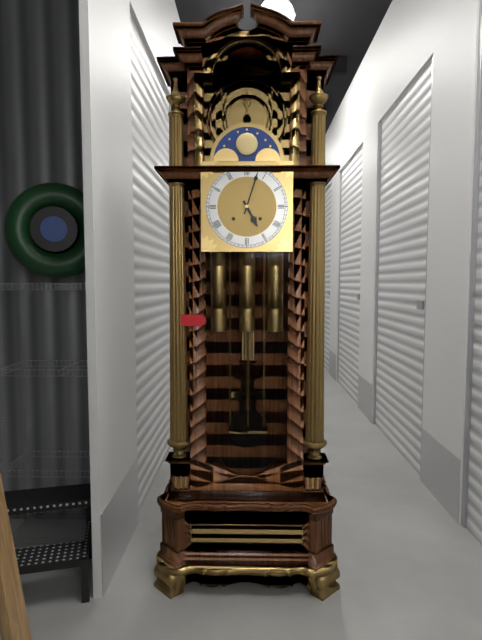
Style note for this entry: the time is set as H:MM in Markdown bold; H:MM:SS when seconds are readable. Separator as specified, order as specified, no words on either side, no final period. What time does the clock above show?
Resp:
**5:03**
